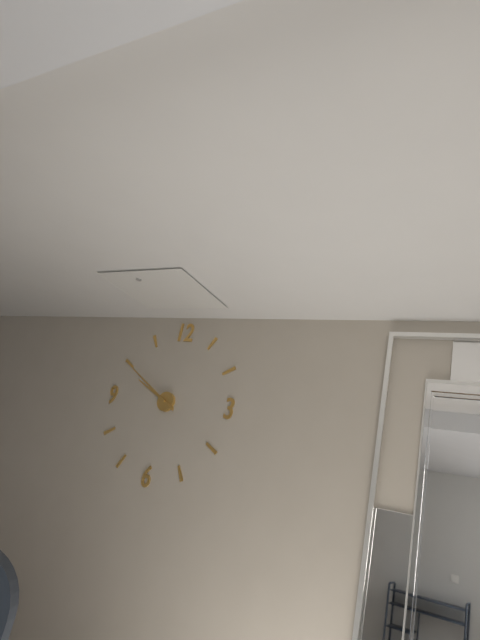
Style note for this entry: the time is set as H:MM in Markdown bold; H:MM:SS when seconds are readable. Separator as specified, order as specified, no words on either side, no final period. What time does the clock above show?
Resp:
**9:50**
